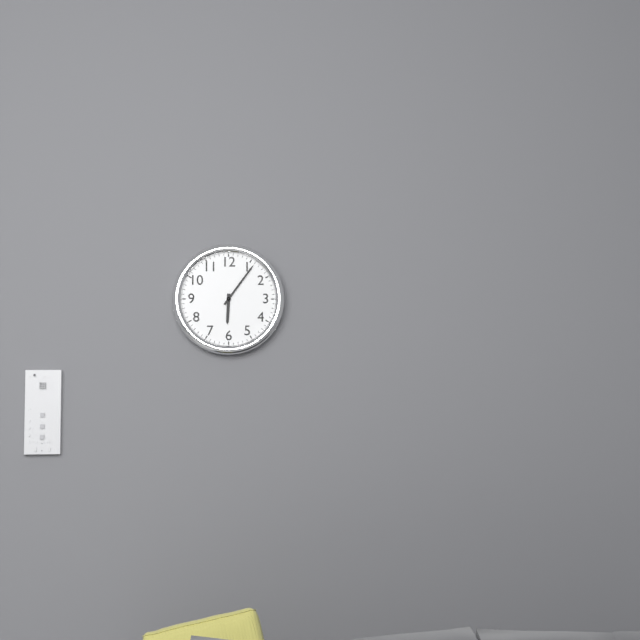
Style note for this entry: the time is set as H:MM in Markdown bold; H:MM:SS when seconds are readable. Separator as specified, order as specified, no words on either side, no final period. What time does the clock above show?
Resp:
**6:06**
